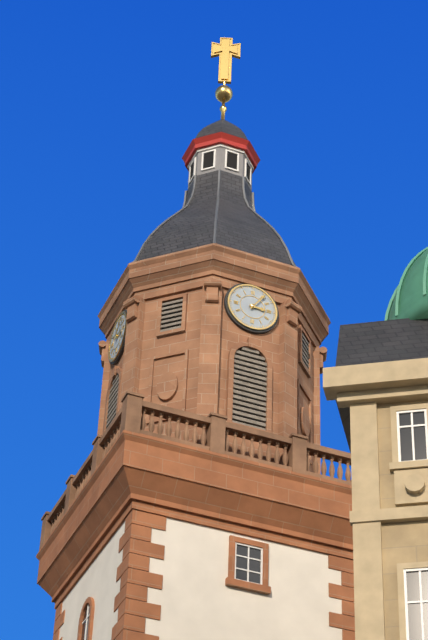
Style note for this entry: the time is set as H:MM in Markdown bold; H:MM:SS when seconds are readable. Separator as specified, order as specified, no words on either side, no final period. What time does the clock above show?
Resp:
**3:06**
